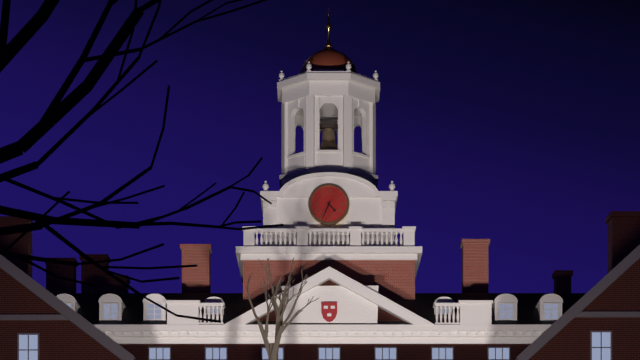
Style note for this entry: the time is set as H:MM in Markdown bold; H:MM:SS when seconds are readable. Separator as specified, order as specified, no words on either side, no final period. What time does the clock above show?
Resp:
**4:34**
